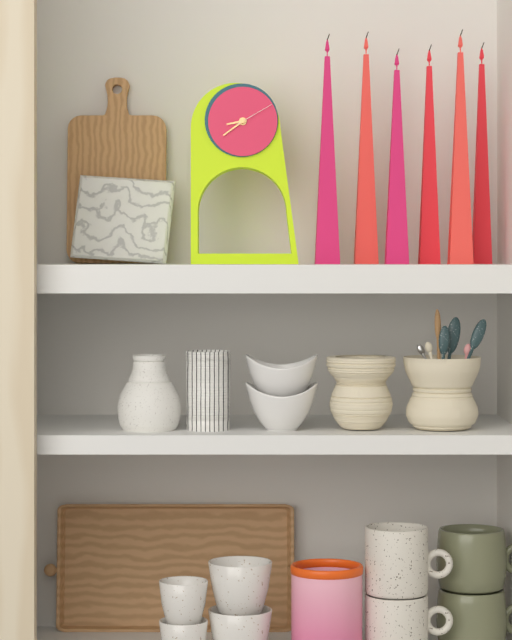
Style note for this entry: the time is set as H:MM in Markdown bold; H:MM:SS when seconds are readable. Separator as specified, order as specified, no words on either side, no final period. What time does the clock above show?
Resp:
**8:39**
